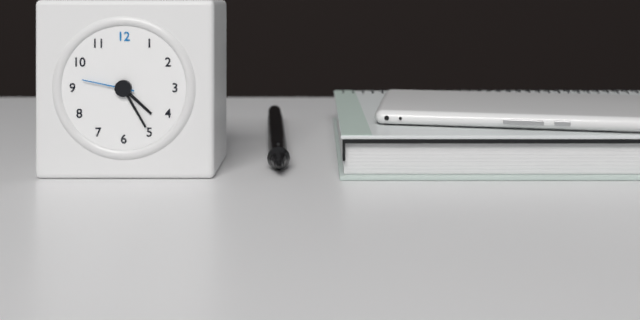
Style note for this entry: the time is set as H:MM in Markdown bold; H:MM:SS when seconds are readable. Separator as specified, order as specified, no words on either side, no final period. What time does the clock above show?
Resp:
**4:25:47**
